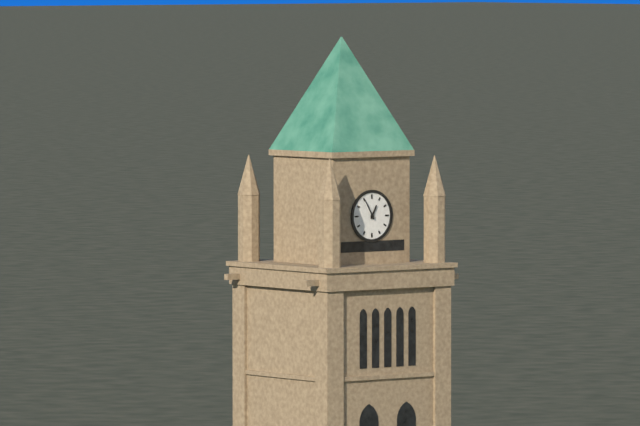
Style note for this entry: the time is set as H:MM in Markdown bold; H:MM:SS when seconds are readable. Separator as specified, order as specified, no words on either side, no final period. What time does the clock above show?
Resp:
**12:55**
